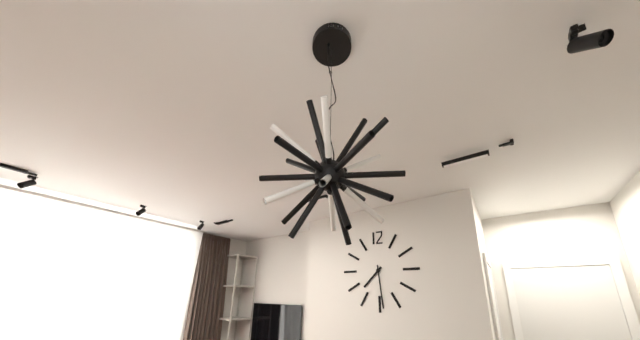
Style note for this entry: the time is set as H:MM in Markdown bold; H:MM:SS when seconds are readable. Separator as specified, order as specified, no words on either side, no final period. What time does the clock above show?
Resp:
**7:29**
